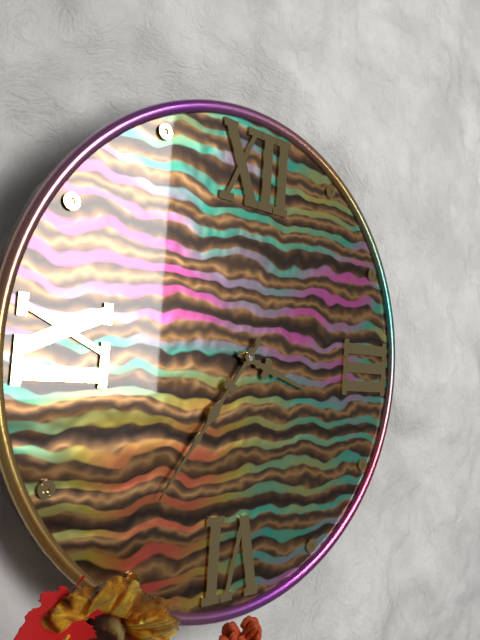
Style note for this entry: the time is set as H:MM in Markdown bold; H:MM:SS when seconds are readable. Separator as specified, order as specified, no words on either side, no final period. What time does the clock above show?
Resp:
**3:36**
